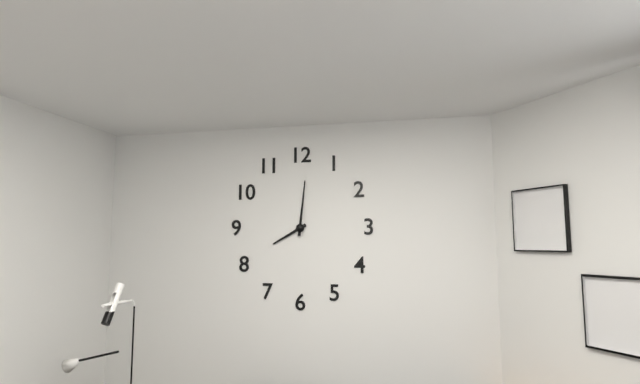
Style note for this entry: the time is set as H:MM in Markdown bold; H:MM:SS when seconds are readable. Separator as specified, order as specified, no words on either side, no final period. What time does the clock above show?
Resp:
**8:01**
